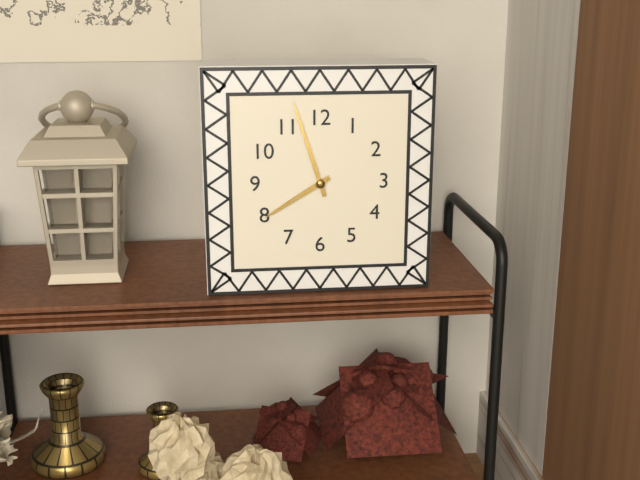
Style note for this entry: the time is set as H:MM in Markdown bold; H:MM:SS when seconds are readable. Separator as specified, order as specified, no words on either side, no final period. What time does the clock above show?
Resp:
**7:57**
